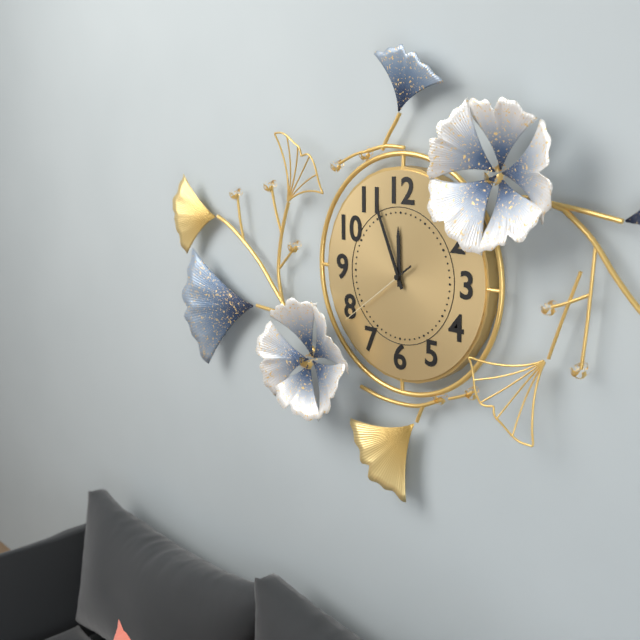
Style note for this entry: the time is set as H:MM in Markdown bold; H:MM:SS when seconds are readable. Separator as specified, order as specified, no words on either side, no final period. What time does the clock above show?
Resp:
**11:56:39**
